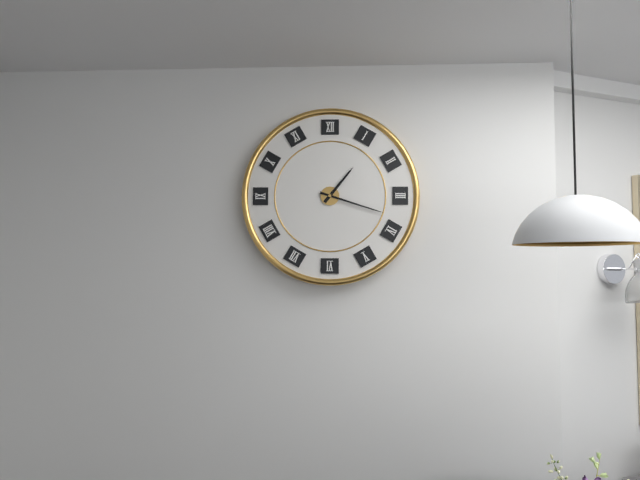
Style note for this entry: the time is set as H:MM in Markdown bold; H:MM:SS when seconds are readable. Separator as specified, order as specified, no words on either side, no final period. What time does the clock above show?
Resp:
**1:18**
